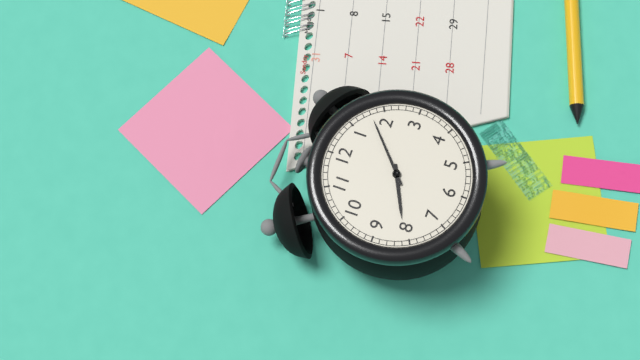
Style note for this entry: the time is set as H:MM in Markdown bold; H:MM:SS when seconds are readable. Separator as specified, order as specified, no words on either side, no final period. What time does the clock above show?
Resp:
**8:08**
